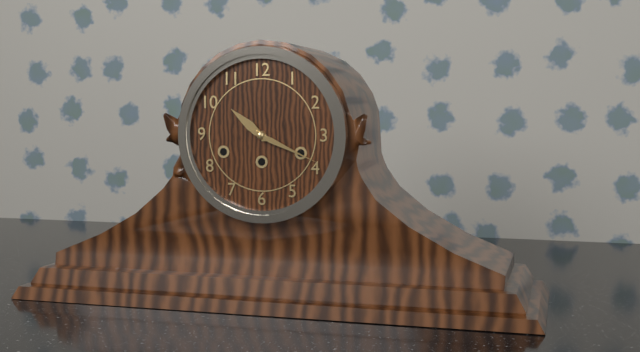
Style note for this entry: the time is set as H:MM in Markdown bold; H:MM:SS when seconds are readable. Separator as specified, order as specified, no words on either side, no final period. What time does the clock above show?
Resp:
**10:19**
